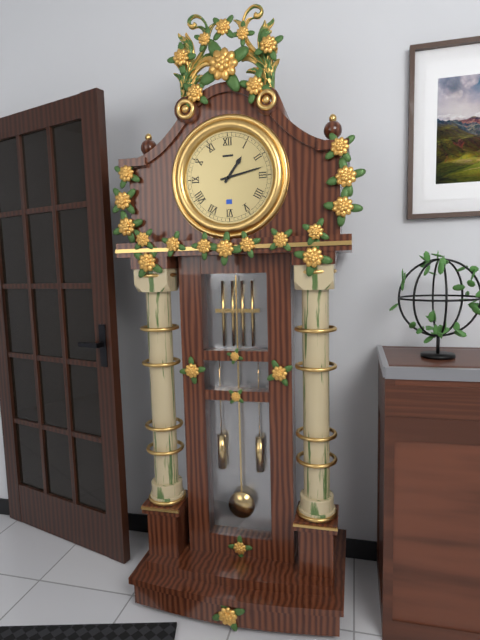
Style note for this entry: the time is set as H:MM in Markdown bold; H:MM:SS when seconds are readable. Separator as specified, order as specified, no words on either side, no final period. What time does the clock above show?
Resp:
**1:13**
